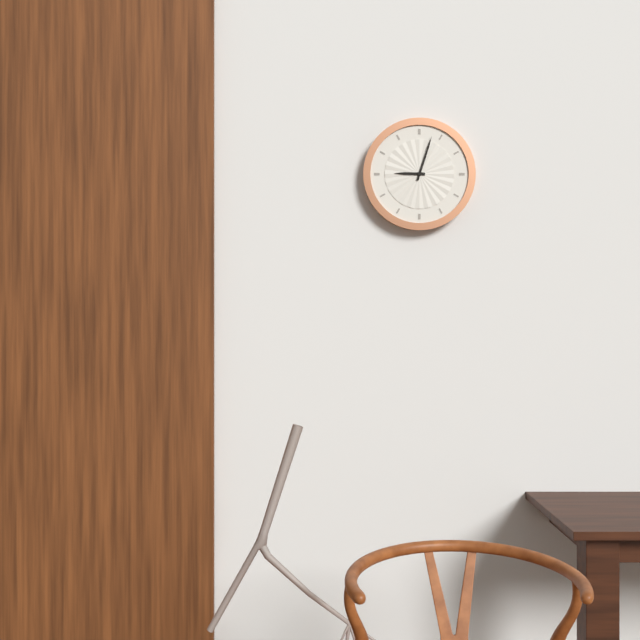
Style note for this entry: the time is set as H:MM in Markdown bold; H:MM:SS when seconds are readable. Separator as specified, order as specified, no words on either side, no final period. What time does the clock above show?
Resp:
**9:03**
